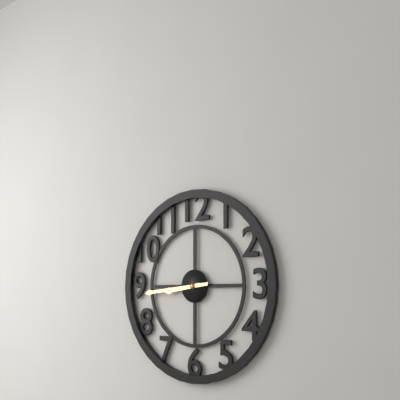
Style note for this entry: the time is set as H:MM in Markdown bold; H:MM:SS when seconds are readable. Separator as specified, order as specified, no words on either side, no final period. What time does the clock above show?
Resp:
**8:44**
